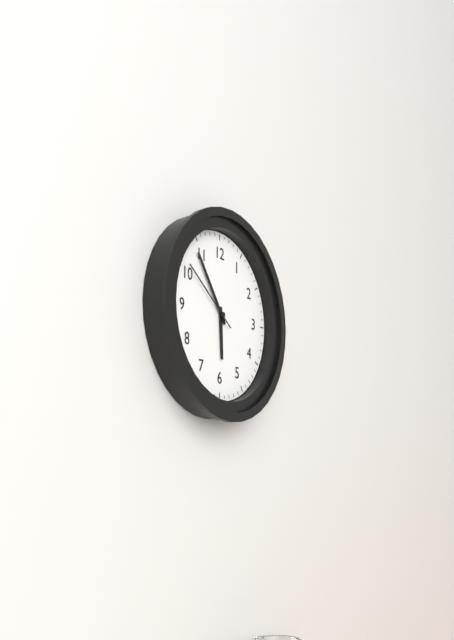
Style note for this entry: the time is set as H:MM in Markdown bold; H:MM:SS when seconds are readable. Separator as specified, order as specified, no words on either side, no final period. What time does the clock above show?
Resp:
**5:54:51**
